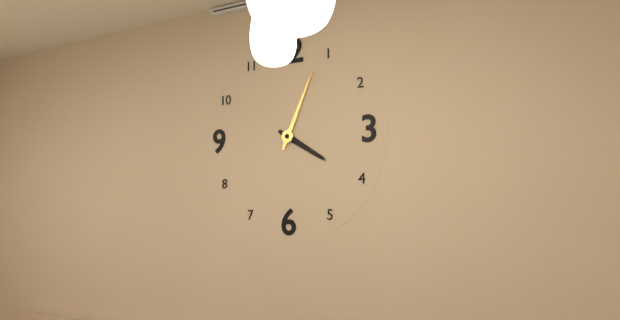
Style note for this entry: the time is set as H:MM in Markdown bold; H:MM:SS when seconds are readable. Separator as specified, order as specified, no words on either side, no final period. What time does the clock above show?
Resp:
**4:04**
